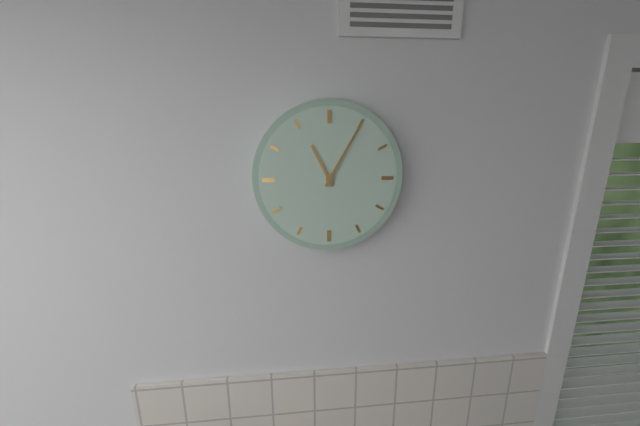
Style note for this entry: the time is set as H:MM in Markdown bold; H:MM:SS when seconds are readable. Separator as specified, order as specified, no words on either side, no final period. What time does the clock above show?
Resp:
**11:05**
